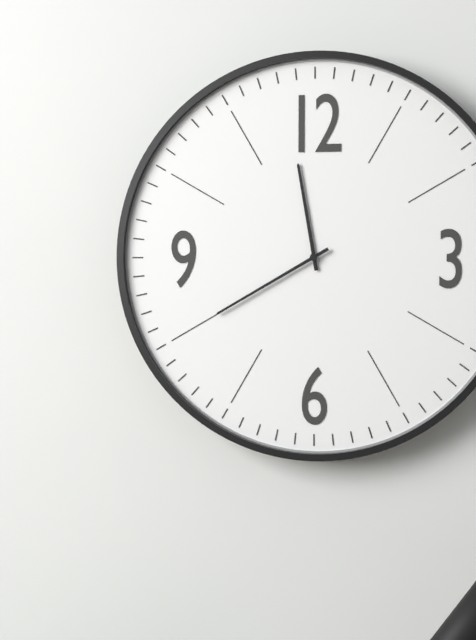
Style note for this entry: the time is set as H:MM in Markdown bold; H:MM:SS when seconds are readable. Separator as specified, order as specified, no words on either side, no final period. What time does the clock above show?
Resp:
**11:40**
